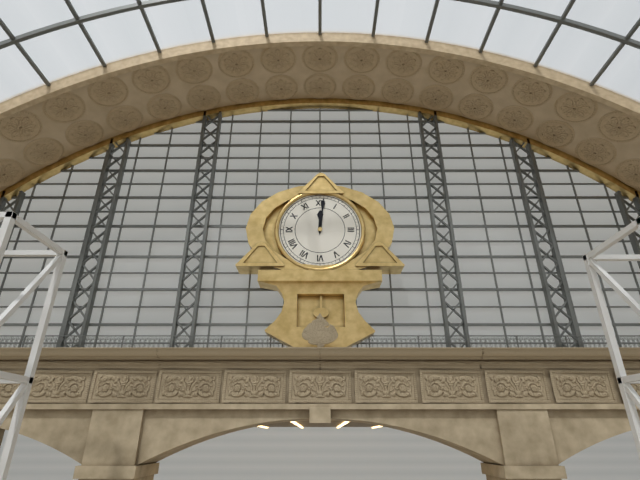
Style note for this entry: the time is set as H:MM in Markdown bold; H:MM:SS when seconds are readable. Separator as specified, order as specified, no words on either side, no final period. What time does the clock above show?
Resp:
**12:01**
